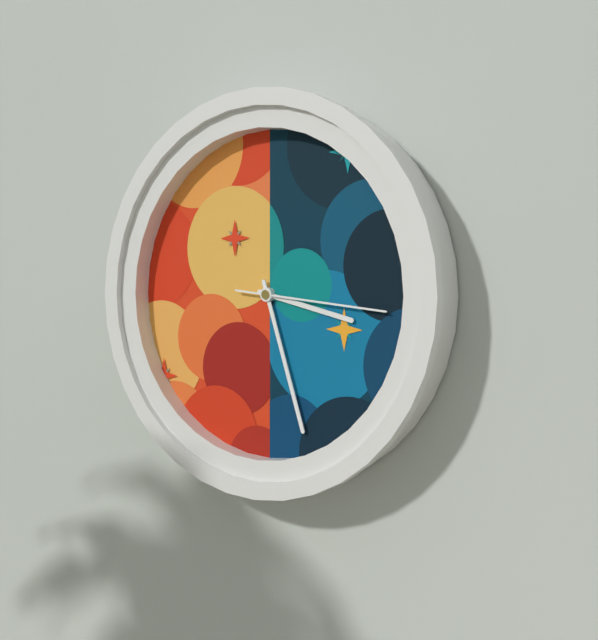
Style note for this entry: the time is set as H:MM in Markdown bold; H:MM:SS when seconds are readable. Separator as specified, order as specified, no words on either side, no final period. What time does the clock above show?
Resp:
**3:27:16**
